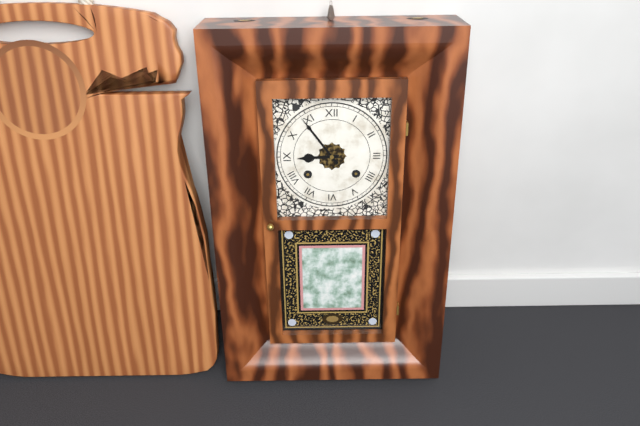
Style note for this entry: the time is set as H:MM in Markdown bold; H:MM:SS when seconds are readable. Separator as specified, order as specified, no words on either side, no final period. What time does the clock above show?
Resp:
**8:54**
